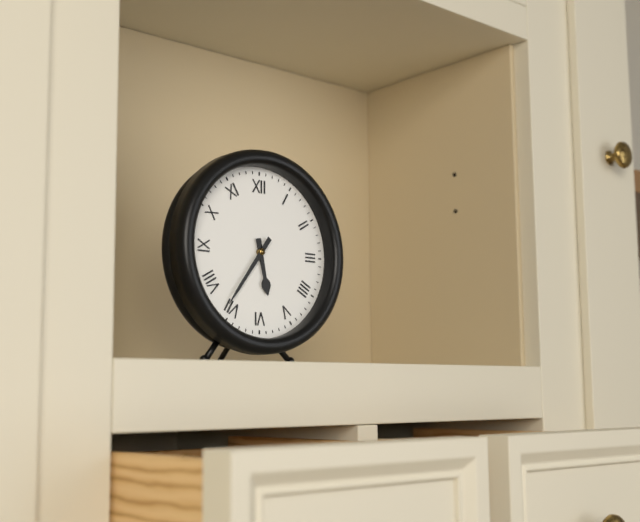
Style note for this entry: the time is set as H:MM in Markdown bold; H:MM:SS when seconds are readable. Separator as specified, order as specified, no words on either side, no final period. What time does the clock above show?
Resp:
**5:36**
